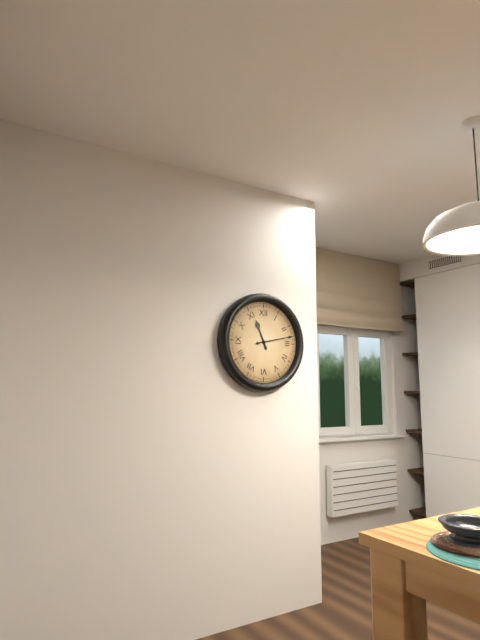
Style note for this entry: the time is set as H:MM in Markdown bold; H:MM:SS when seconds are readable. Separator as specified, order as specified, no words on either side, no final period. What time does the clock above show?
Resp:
**11:13**
